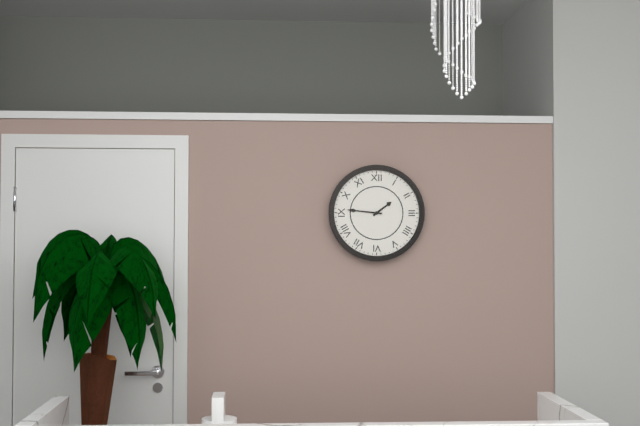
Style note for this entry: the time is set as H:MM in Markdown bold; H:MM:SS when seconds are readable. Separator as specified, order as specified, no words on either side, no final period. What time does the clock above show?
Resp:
**1:46**
